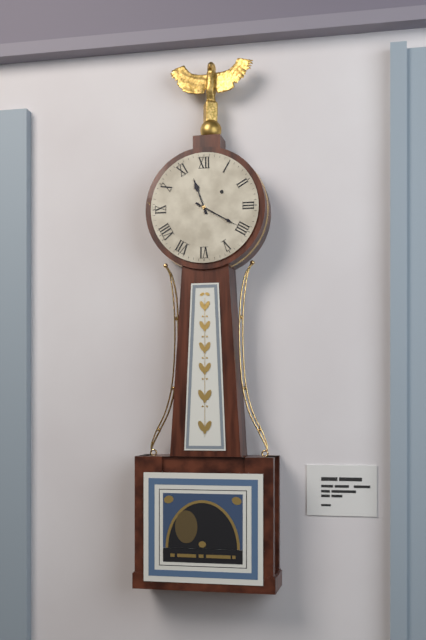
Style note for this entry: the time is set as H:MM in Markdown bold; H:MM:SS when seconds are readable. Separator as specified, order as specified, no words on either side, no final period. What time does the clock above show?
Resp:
**11:20**
